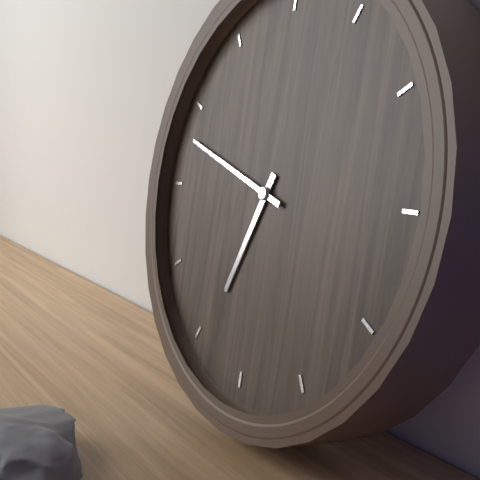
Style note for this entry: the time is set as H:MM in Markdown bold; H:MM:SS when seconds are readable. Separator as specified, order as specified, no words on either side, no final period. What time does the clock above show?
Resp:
**6:48**
